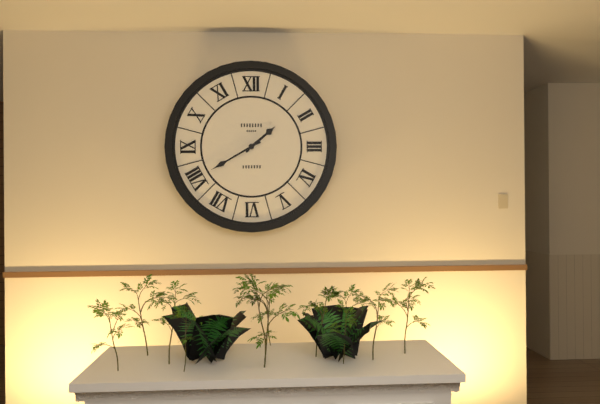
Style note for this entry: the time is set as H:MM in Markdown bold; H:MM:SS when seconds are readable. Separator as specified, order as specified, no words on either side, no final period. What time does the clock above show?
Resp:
**1:40**
